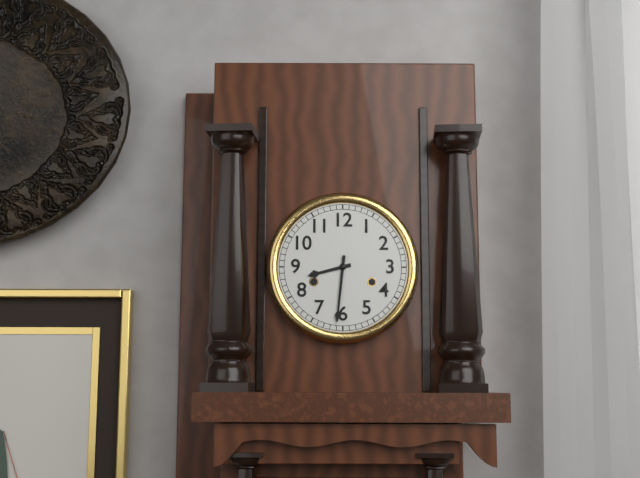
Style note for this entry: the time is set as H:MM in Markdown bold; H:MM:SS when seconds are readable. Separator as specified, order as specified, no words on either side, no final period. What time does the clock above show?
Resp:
**8:31**
